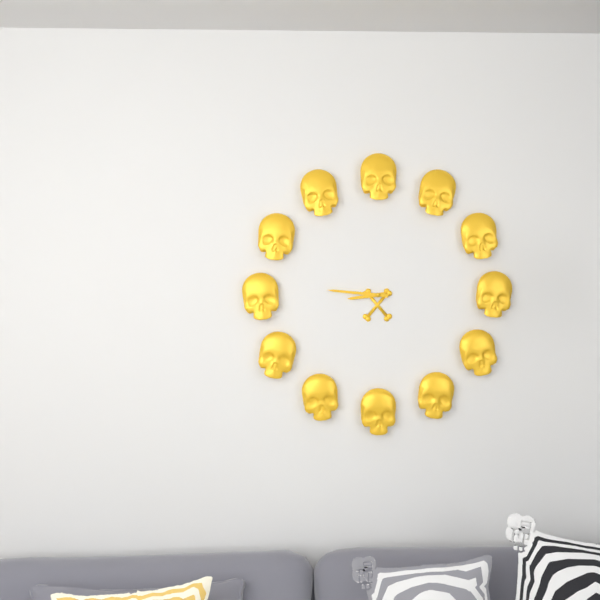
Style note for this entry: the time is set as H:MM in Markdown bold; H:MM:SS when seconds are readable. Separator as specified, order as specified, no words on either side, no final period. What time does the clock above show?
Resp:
**8:46**
